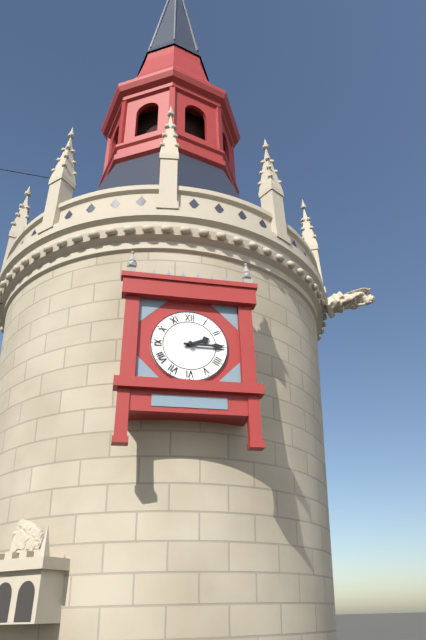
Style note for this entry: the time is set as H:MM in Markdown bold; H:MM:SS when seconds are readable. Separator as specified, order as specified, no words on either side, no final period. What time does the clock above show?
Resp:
**2:15**
